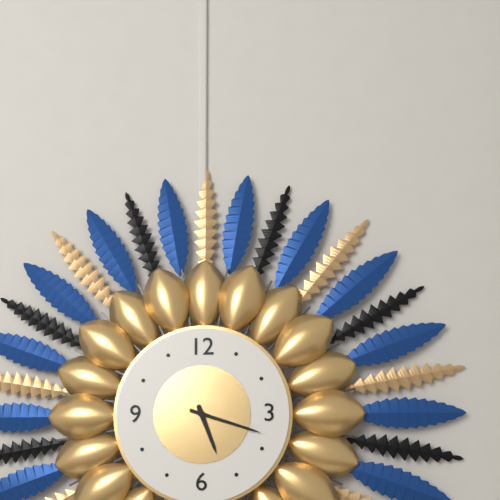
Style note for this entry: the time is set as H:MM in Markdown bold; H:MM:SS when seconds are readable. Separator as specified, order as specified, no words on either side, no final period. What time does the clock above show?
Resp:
**5:18**
